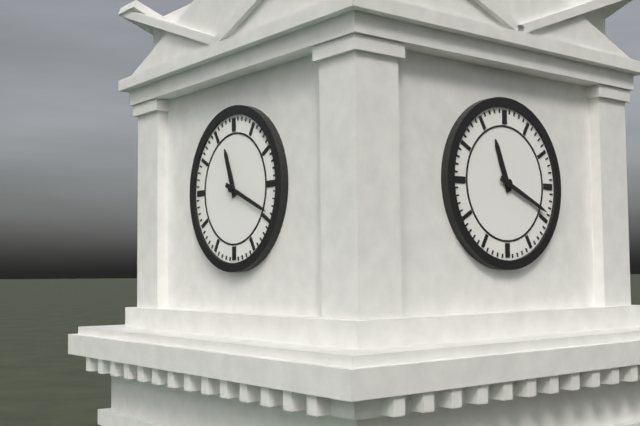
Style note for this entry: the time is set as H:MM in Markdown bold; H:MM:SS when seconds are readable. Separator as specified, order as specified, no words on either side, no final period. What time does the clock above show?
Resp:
**11:19**
